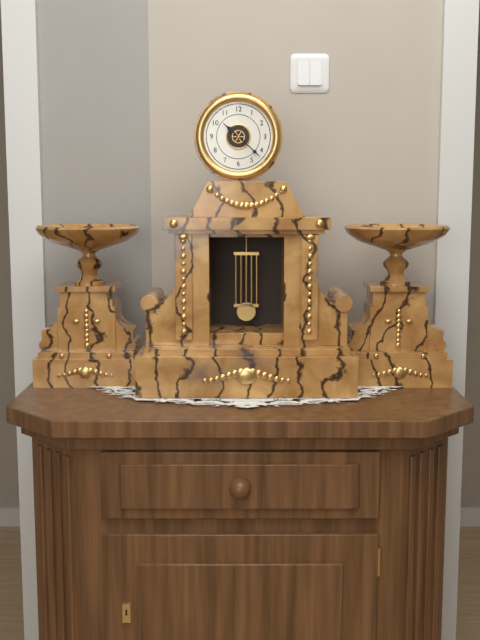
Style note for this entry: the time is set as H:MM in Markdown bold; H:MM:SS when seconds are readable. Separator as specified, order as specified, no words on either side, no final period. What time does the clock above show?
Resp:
**10:22**
